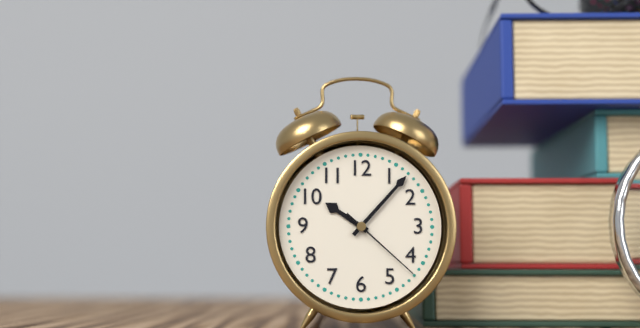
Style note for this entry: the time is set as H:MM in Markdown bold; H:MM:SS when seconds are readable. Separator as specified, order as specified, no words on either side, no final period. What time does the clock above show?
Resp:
**10:07:22**
